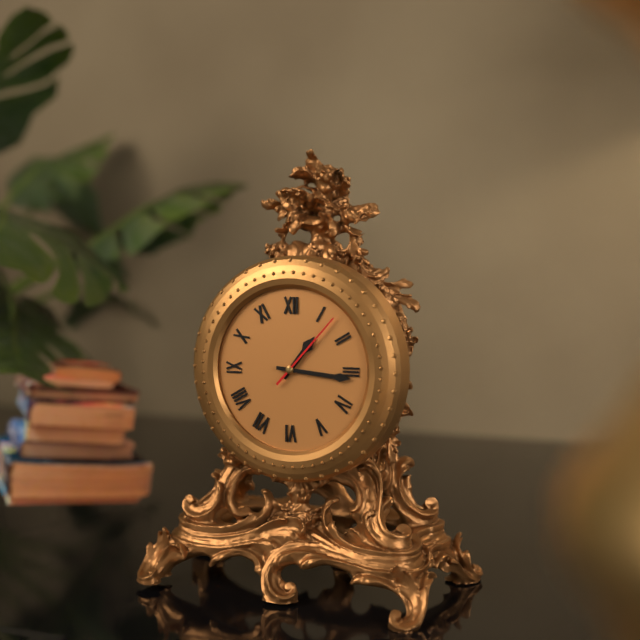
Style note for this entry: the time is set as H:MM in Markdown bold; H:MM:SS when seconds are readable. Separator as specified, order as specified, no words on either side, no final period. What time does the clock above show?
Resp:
**1:16:07**
